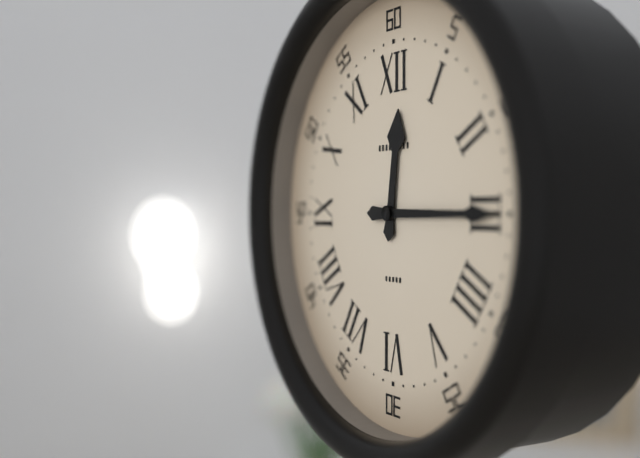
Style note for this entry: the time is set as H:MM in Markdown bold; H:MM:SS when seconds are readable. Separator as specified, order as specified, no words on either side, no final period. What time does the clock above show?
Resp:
**12:15**
